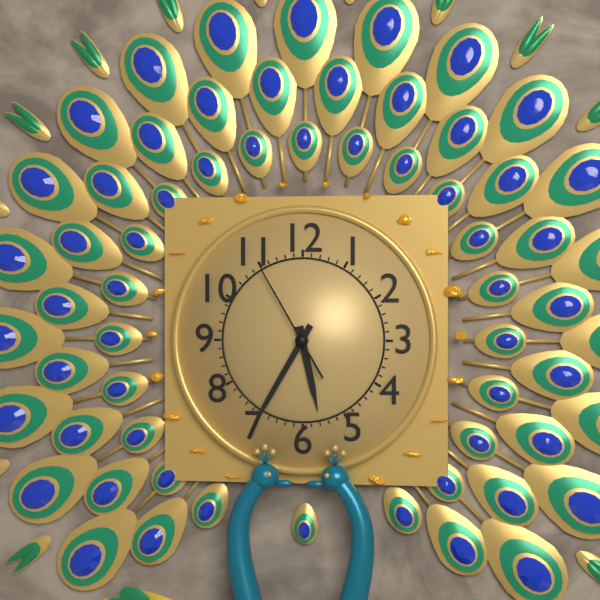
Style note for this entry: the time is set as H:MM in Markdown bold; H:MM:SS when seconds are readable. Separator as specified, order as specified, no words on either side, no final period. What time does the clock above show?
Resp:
**5:35:55**
